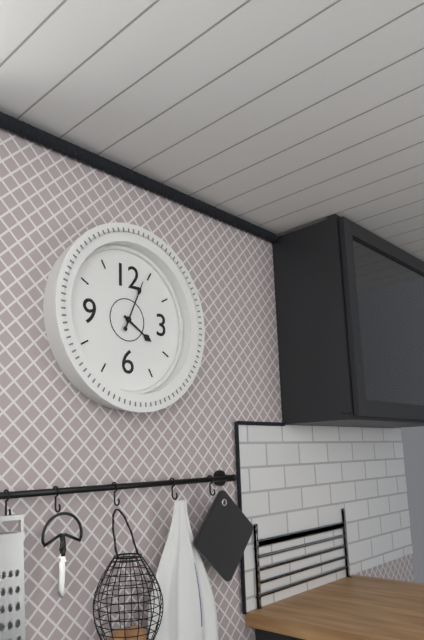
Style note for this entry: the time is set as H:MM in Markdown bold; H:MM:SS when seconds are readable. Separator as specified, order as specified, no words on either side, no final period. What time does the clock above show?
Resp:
**4:04**
